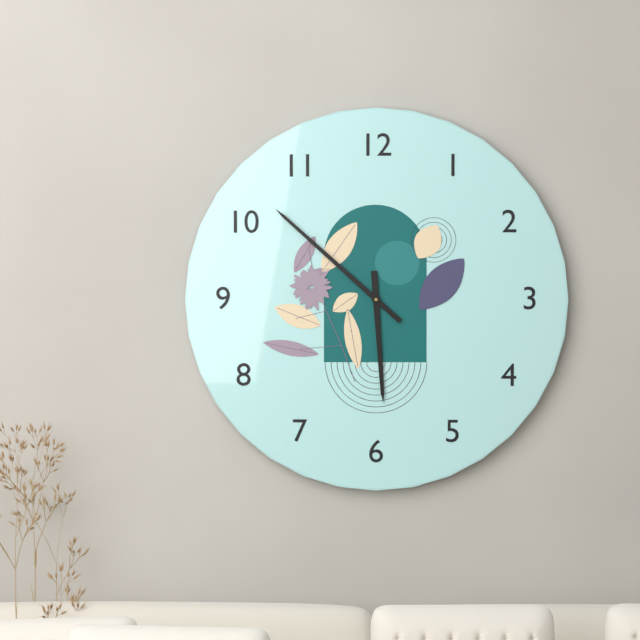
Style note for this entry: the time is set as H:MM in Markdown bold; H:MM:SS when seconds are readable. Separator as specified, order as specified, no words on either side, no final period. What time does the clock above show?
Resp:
**5:52**
